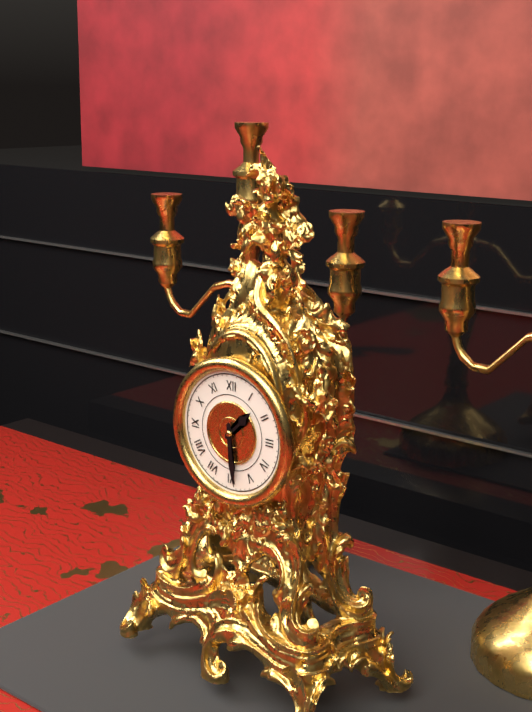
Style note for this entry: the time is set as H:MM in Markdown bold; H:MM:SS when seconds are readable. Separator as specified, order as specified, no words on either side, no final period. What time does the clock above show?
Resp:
**1:29**
